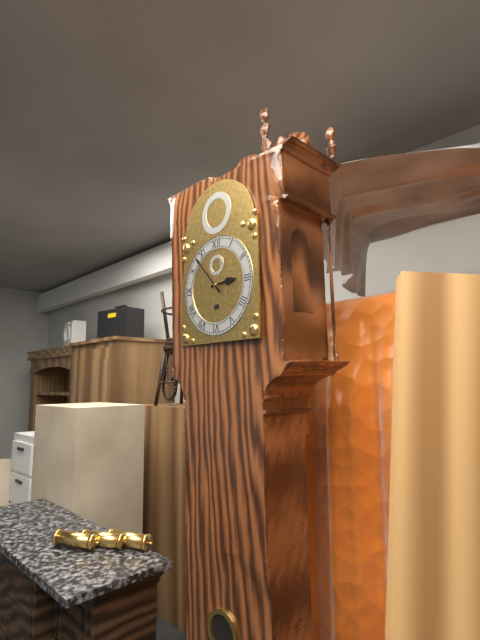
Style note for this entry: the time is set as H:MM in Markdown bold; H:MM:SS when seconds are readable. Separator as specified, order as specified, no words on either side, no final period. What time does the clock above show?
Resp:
**2:53**
